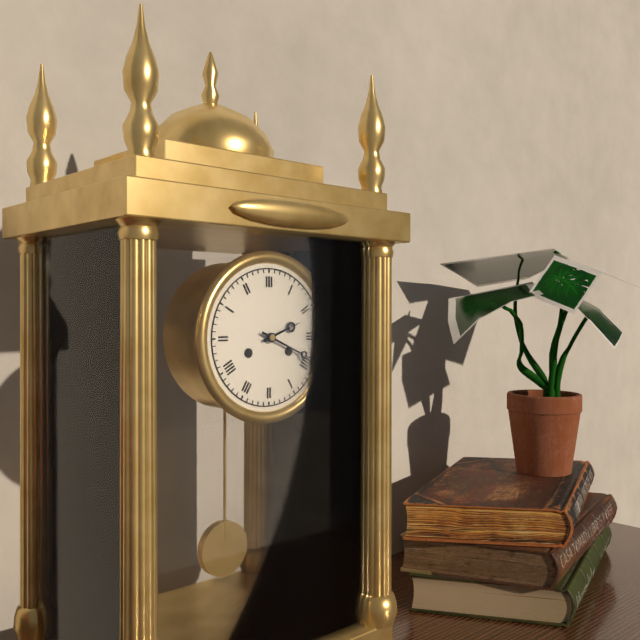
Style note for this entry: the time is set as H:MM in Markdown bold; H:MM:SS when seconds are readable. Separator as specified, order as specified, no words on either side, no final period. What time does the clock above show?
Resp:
**2:19**
